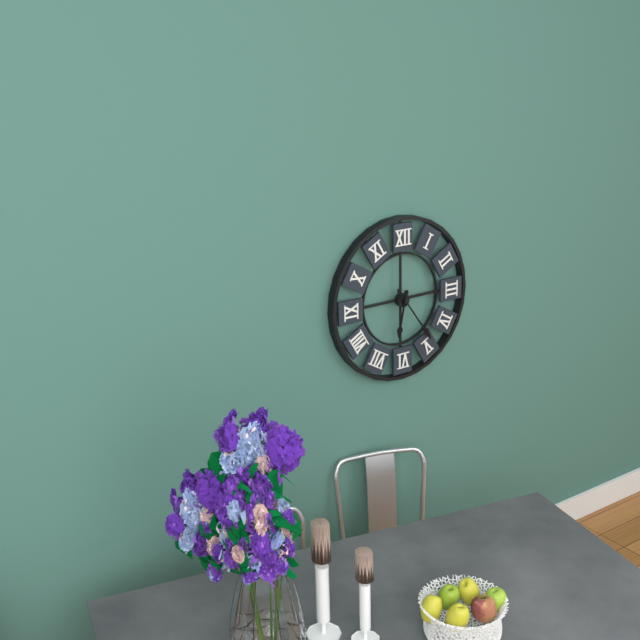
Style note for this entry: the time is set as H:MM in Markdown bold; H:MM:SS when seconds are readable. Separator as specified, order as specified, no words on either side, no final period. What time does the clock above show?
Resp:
**6:24**
